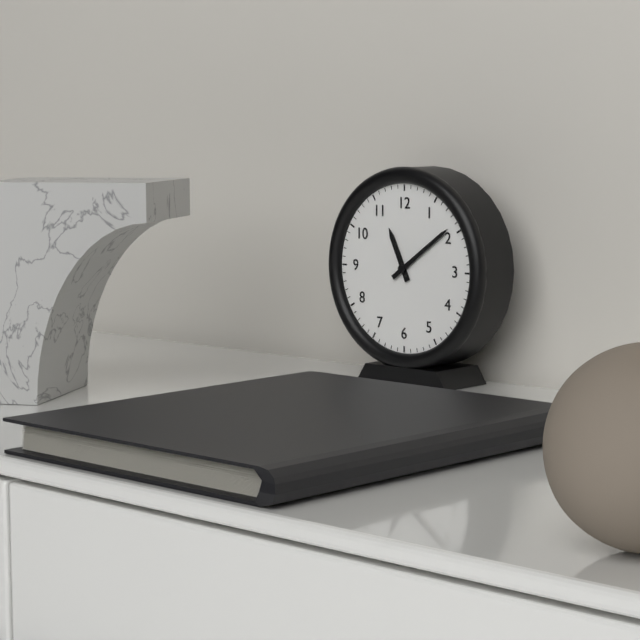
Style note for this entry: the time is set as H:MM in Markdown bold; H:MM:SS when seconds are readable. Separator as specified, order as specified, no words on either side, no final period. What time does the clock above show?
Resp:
**11:09**
